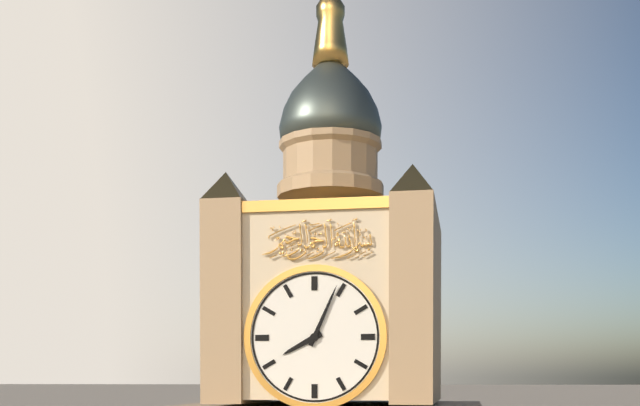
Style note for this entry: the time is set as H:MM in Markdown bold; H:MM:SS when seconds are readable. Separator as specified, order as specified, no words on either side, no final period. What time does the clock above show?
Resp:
**8:04**
